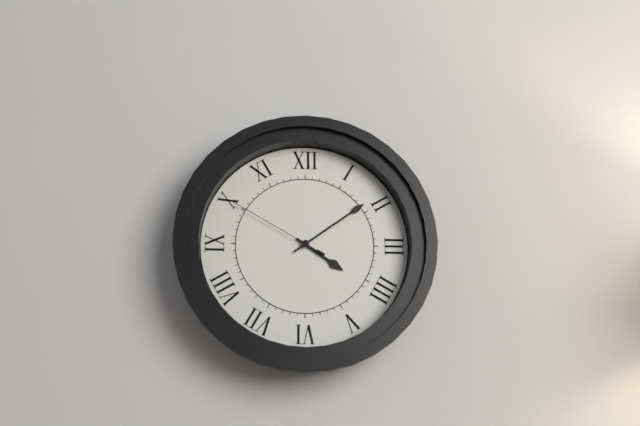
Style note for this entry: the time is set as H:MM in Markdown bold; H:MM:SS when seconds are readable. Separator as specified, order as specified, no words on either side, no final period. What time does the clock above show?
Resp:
**4:09:50**
